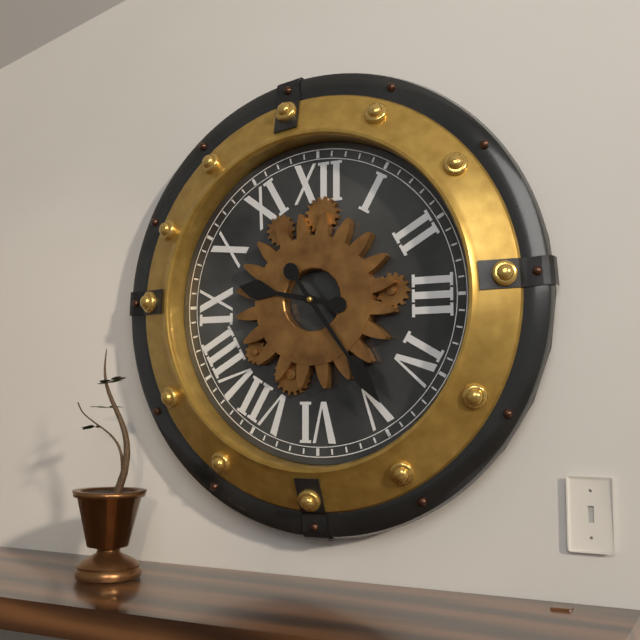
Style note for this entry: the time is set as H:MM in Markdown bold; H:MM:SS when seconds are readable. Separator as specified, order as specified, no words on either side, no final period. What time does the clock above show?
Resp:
**9:24**
